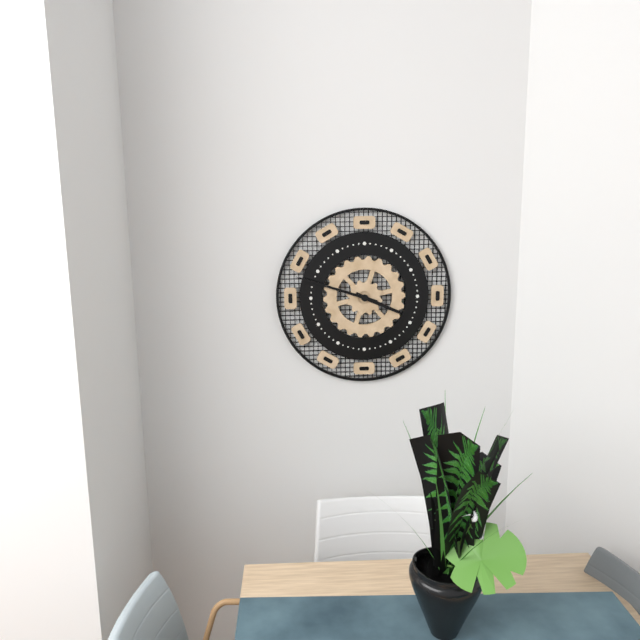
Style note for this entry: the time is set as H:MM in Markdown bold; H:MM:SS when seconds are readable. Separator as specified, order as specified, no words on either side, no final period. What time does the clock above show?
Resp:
**3:48**
